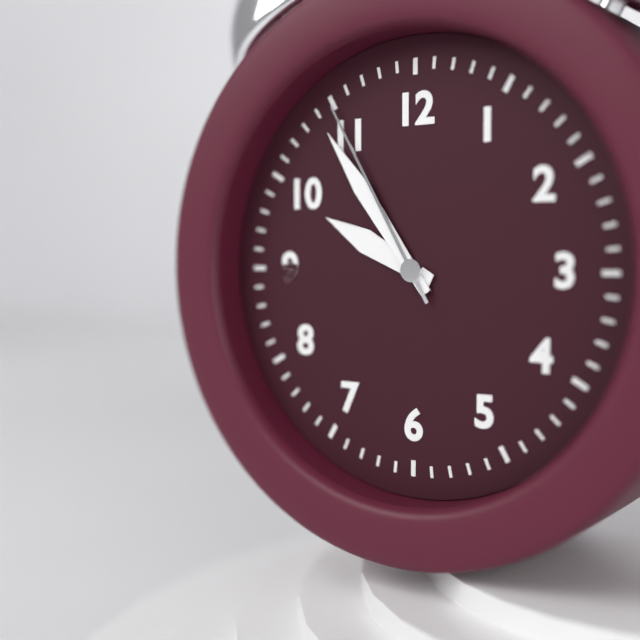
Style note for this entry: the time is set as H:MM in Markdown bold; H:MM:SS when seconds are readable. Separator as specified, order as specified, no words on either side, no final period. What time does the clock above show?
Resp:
**9:54:55**
